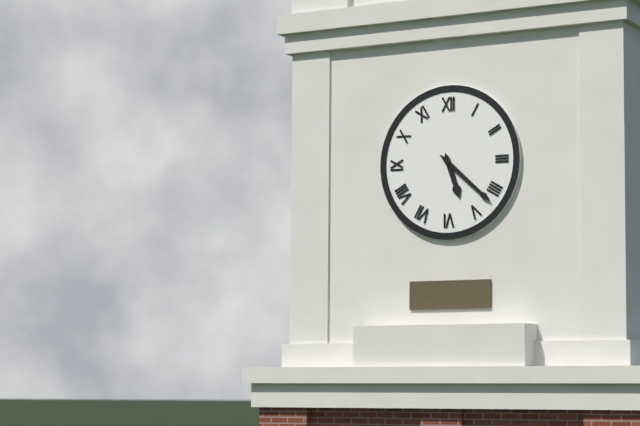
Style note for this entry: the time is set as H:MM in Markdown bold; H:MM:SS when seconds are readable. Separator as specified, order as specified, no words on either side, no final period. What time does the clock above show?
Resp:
**5:22**
